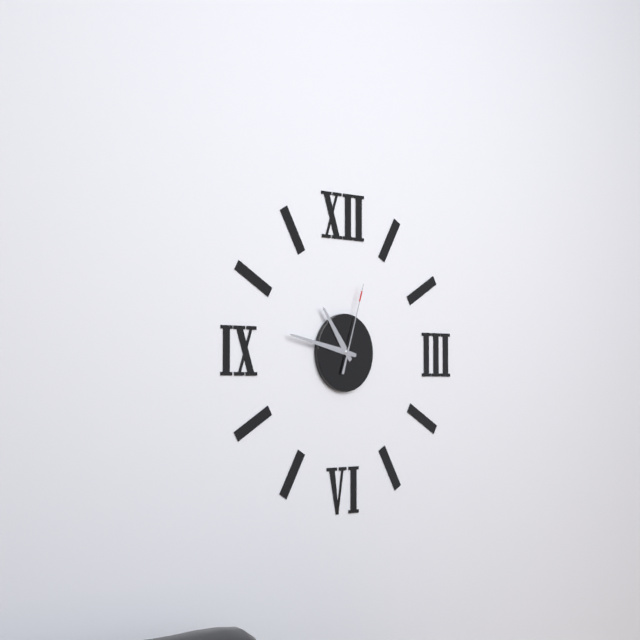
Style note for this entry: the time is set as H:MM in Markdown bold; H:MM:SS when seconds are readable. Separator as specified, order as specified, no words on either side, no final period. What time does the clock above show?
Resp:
**10:47:03**
